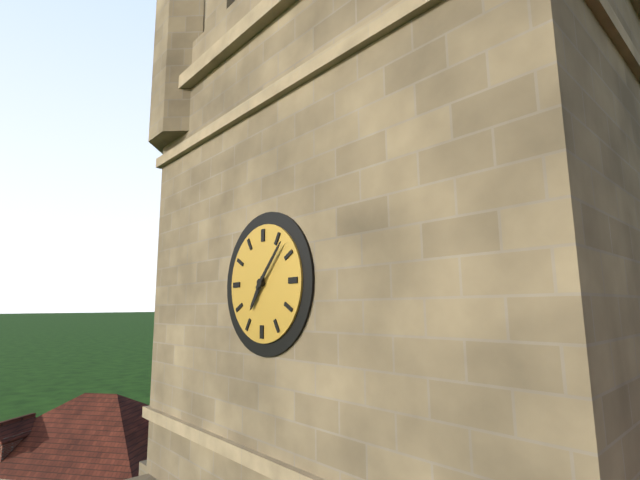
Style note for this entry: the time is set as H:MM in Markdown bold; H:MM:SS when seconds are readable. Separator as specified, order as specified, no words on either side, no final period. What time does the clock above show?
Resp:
**7:07**
